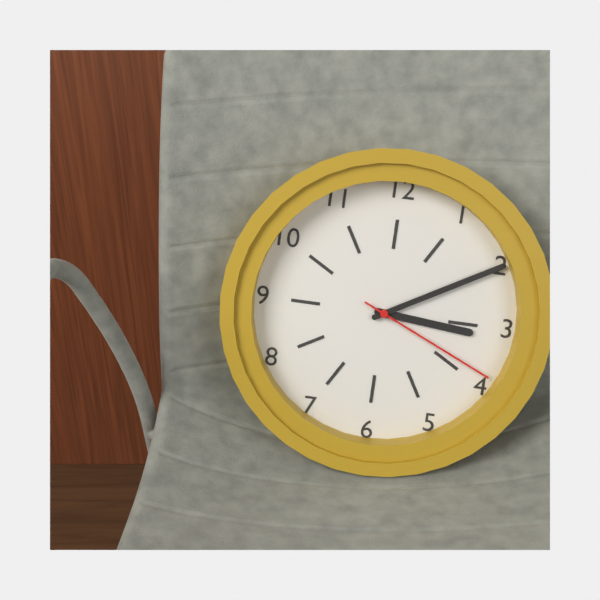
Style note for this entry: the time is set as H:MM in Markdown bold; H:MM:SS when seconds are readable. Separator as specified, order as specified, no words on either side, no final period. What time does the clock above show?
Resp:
**3:10:19**
